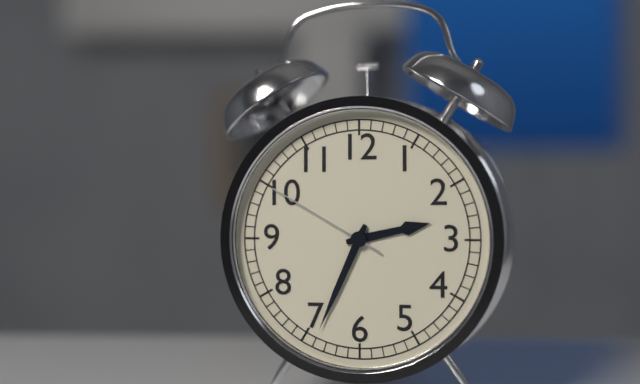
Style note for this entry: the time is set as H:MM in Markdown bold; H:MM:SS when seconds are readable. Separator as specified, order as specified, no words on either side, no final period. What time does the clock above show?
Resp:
**2:34:50**
